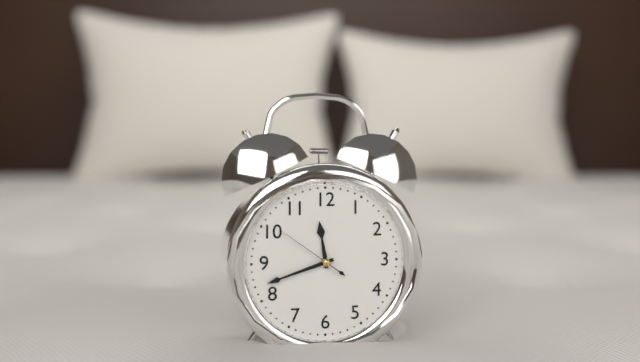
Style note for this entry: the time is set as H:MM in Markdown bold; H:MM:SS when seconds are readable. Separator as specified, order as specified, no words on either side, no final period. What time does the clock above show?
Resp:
**11:42:51**
